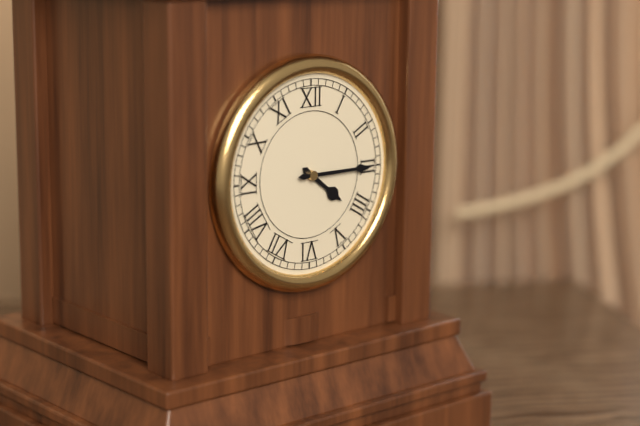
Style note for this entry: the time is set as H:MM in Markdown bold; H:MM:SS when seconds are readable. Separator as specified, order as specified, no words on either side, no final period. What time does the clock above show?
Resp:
**4:15**
